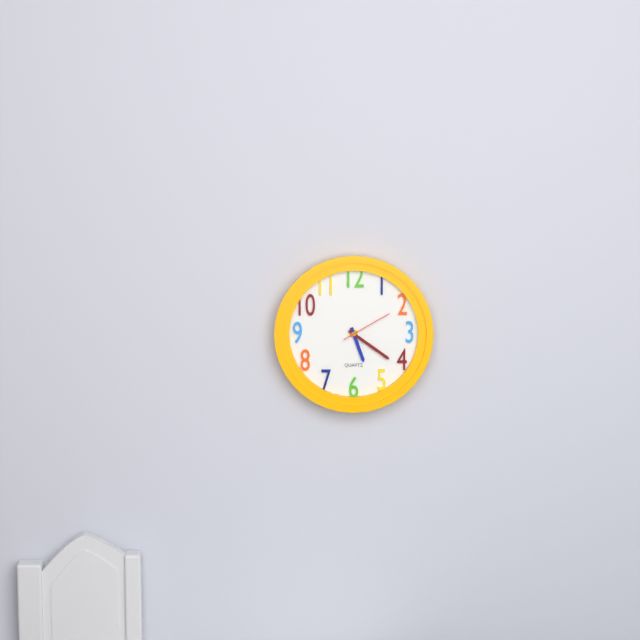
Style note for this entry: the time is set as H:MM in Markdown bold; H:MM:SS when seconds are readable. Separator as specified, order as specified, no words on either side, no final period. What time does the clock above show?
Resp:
**5:21:10**
